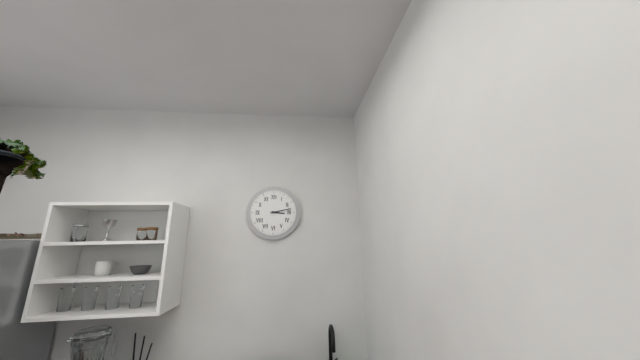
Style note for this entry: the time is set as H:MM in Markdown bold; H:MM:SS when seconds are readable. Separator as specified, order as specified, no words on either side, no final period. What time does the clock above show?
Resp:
**3:13**
